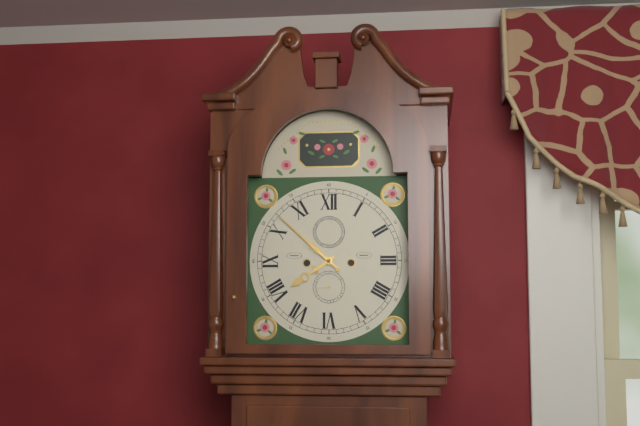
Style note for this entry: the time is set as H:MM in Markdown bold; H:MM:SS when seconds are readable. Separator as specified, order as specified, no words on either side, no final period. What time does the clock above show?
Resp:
**7:52**
